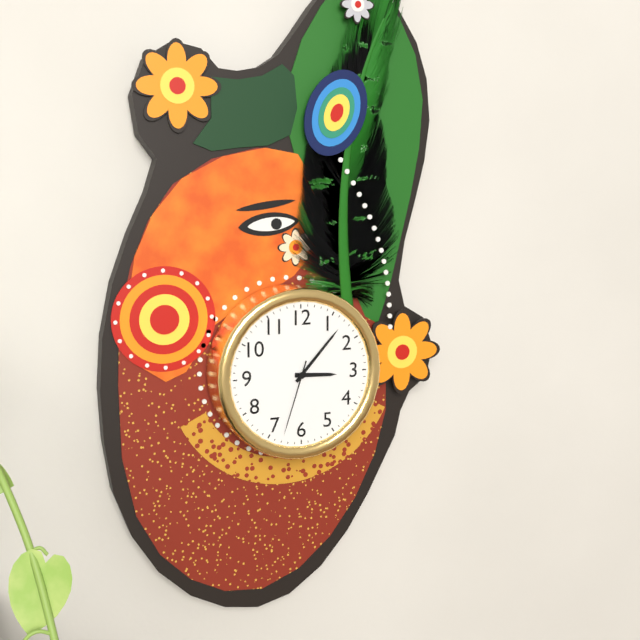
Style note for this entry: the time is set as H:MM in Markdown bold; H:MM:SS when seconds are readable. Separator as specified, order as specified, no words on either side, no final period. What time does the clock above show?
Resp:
**3:07:33**
